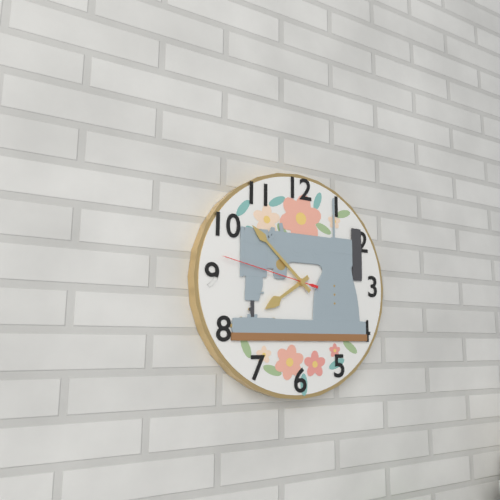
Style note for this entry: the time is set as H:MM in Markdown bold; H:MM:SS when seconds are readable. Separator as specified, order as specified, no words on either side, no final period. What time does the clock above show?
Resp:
**7:52:47**
